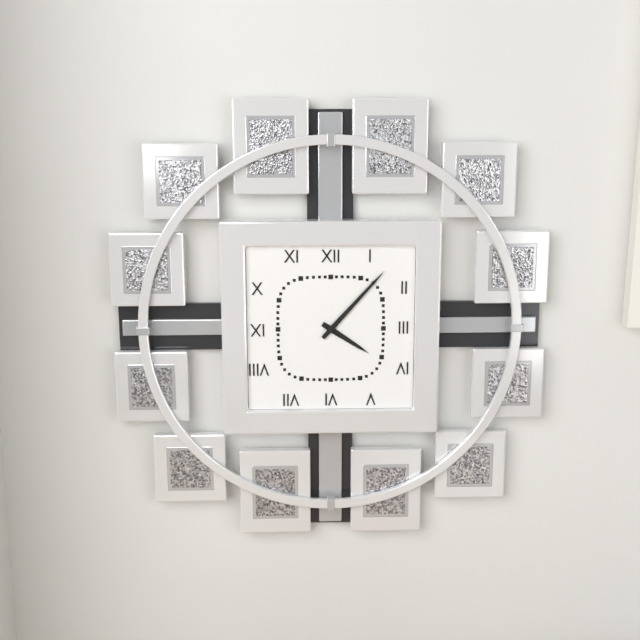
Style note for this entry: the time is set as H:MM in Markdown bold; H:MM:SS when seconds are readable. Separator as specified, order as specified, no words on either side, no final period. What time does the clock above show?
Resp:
**4:07**
